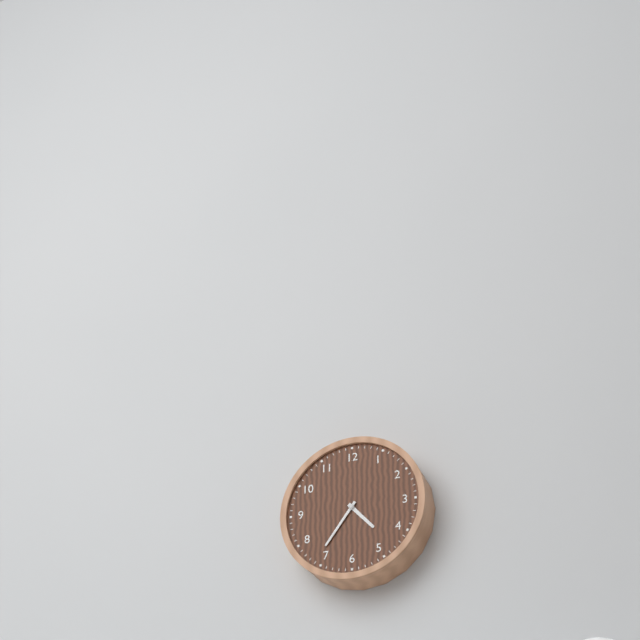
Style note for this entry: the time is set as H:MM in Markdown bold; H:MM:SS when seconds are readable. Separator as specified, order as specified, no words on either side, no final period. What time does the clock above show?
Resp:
**4:36**
